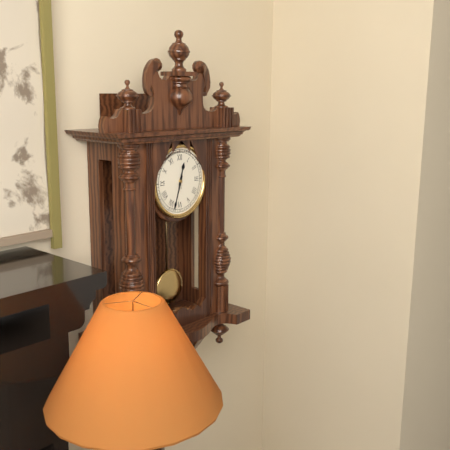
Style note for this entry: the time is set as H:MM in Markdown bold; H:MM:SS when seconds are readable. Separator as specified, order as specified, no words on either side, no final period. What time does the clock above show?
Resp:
**12:33**
